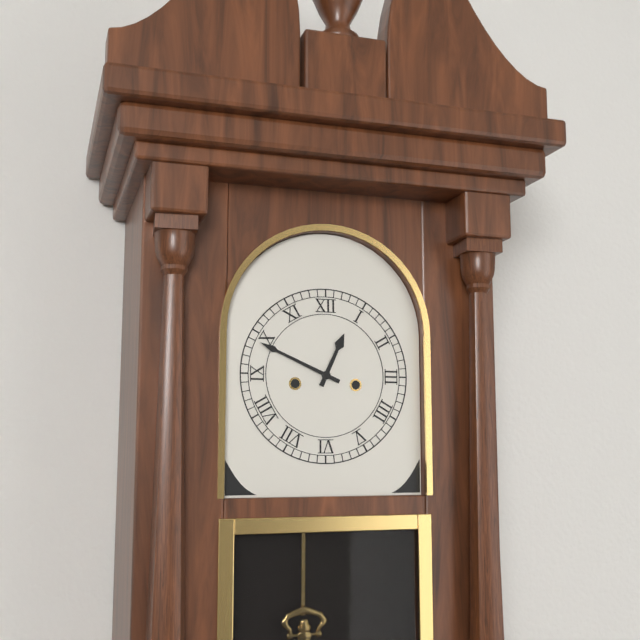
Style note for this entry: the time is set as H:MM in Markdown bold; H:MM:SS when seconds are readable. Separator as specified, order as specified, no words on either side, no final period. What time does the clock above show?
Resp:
**12:49**
